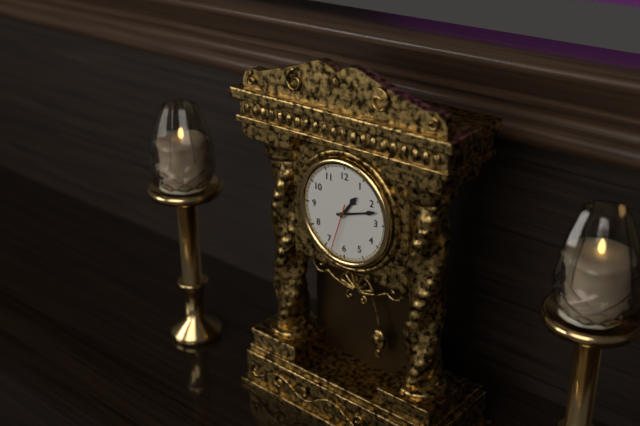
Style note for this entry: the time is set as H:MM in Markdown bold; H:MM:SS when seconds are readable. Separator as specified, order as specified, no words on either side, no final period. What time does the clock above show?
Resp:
**1:12**
